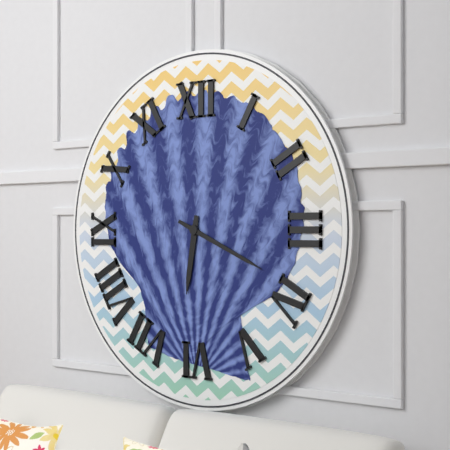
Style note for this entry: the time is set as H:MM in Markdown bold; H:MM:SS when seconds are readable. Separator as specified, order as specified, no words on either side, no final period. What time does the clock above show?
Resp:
**6:19**
